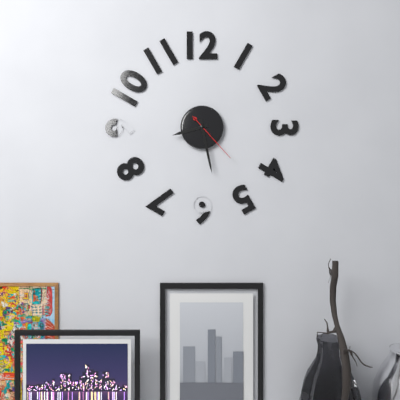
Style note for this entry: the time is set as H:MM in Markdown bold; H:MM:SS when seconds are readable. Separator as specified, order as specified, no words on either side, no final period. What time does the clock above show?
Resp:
**8:28:23**
